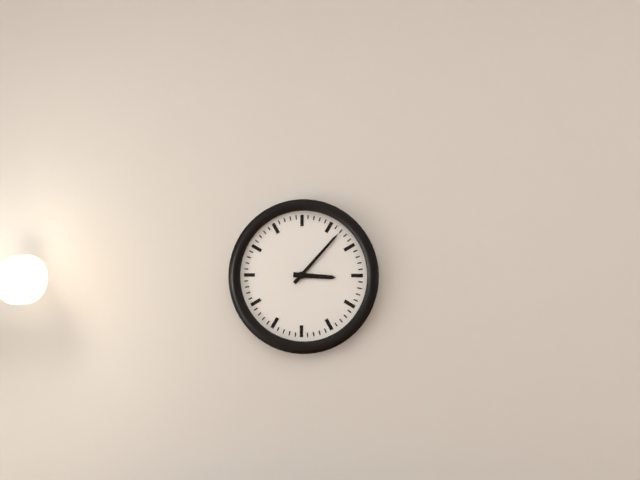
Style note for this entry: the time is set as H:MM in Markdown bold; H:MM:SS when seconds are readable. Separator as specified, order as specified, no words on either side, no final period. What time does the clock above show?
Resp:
**3:07**
